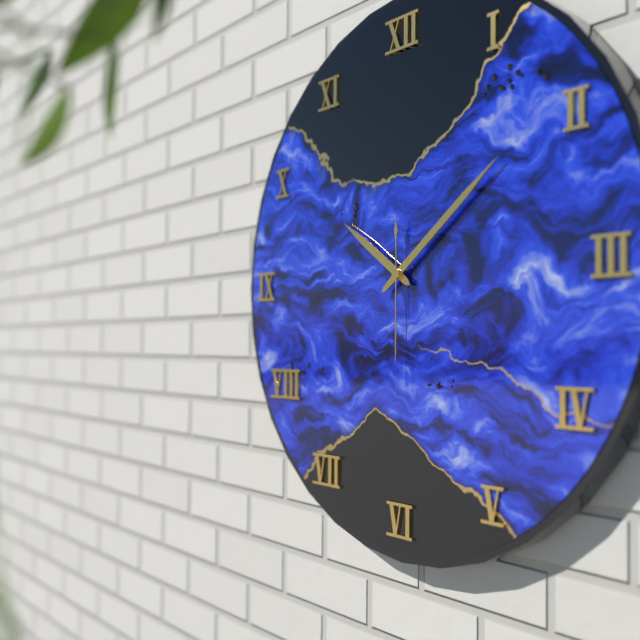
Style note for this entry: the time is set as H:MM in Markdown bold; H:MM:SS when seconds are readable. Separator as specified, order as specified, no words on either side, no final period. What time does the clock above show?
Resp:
**10:09:30**
